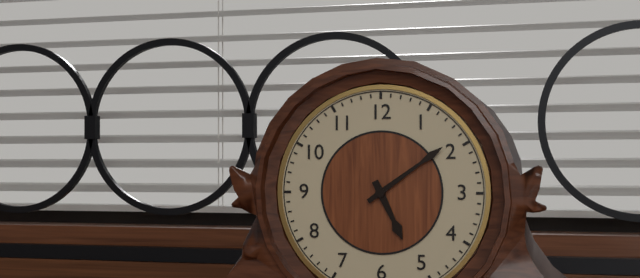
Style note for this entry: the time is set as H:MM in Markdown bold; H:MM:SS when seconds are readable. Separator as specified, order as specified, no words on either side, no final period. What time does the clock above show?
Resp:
**5:09**
